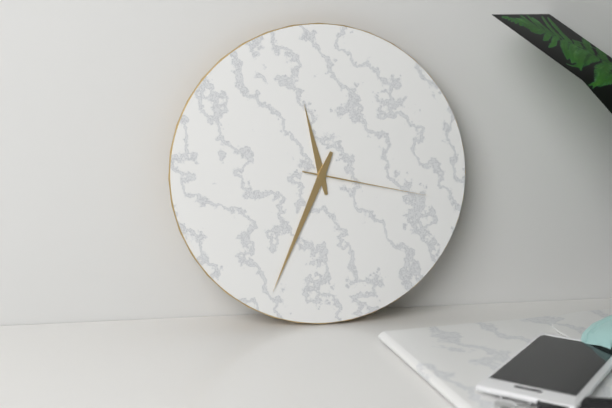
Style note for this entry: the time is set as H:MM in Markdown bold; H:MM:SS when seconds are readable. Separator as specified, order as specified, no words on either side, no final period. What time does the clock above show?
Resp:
**11:34:17**
